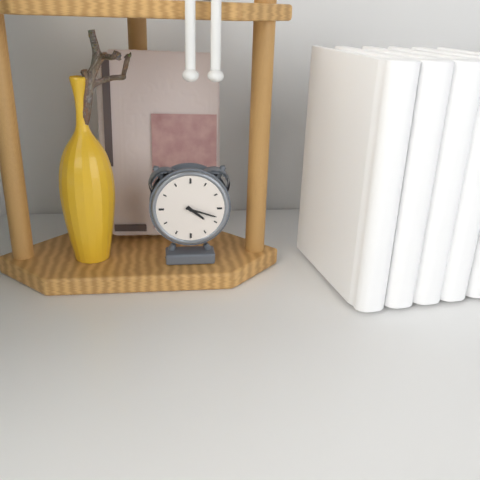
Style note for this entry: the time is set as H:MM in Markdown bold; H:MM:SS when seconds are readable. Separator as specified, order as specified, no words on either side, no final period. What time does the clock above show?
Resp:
**4:18**
